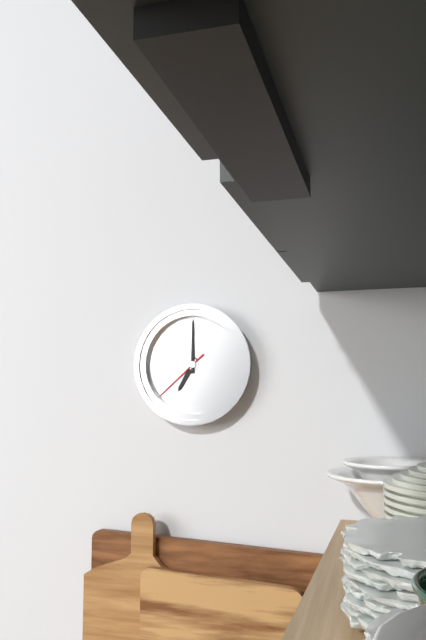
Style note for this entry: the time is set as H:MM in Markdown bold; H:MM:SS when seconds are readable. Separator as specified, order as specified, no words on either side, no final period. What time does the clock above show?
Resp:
**7:00:38**
